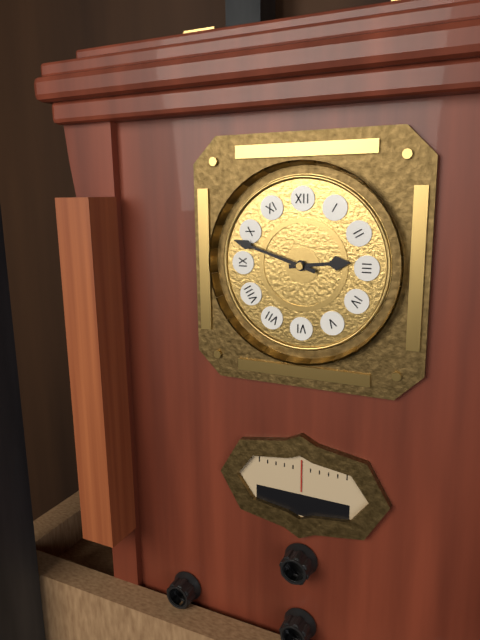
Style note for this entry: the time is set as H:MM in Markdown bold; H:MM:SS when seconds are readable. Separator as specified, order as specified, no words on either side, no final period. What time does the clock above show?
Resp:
**2:48**
